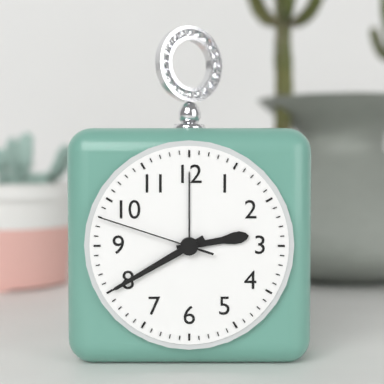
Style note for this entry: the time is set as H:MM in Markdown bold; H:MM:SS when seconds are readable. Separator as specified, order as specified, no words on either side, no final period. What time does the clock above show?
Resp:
**2:40:48**
